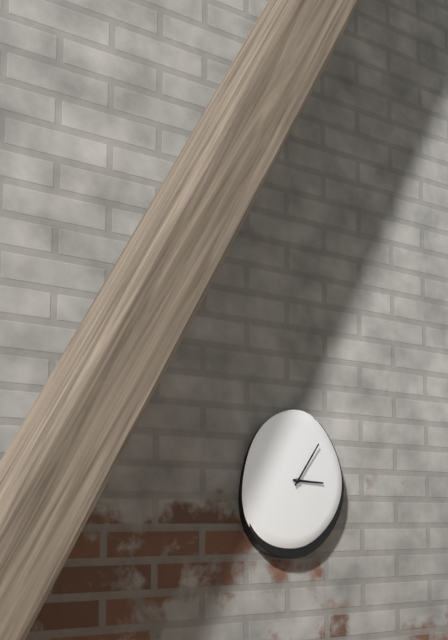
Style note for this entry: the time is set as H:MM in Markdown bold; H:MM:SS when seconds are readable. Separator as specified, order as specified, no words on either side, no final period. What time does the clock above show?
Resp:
**3:06**
